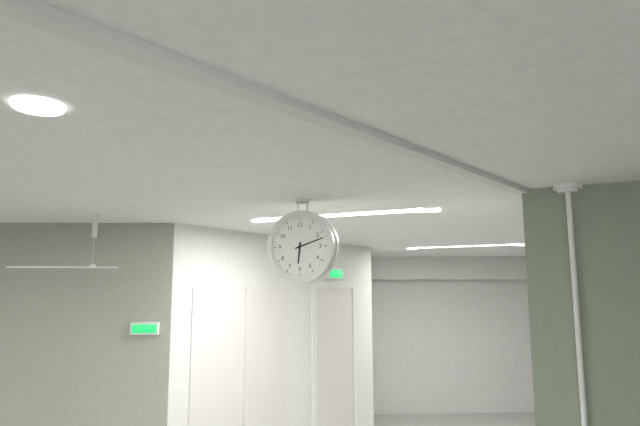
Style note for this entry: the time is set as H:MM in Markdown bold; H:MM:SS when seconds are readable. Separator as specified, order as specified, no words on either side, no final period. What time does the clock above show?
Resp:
**6:12**
